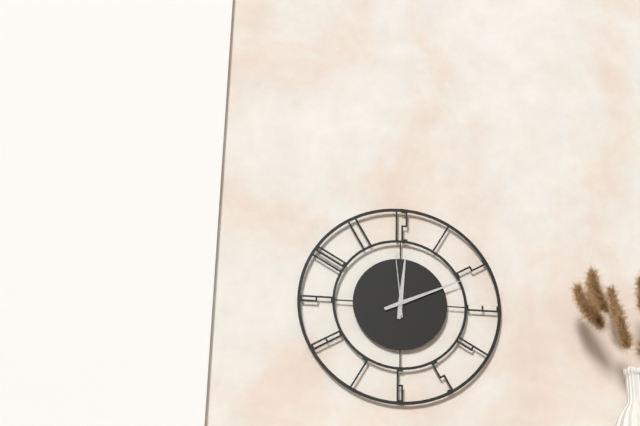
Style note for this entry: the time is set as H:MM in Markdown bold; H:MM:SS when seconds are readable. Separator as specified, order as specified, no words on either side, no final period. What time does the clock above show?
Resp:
**12:11:59**
